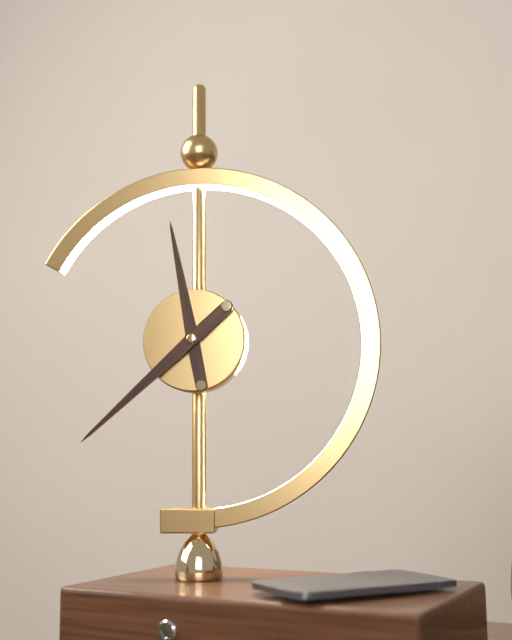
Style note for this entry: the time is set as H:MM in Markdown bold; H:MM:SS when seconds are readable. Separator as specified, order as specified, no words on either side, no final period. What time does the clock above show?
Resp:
**11:38**
